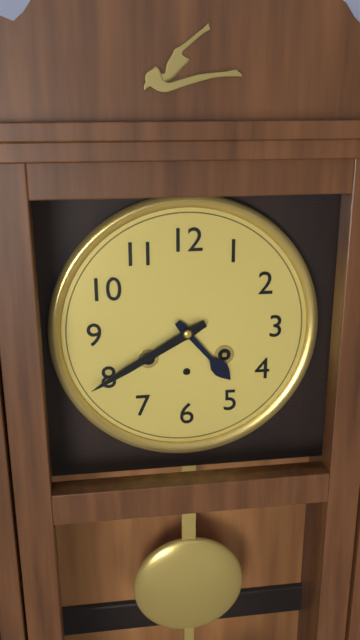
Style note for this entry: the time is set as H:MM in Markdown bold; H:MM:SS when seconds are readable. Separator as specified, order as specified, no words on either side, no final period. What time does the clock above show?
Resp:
**4:40**
